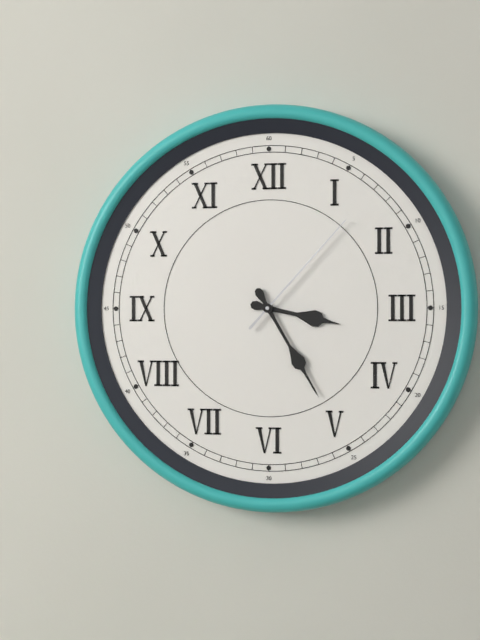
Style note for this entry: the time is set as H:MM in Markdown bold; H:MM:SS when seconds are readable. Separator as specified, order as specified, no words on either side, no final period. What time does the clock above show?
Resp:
**3:25:07**
